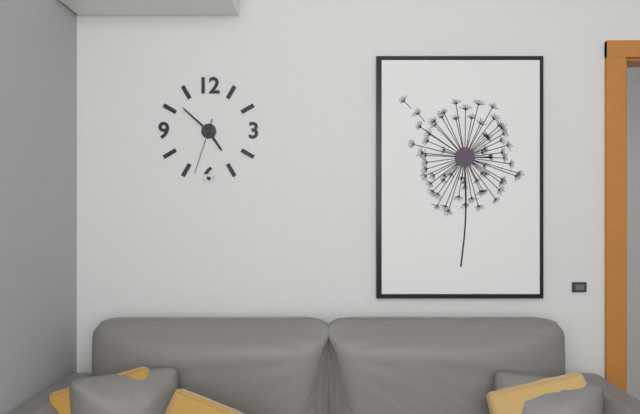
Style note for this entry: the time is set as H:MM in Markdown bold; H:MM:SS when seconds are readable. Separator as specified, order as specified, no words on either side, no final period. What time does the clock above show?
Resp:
**4:52:33**
